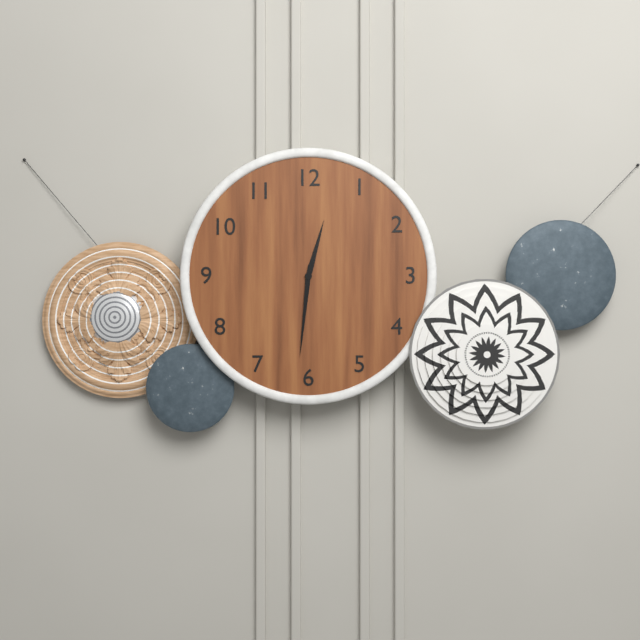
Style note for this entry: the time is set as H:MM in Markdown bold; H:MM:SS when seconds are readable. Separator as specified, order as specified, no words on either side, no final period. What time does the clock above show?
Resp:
**12:31**
